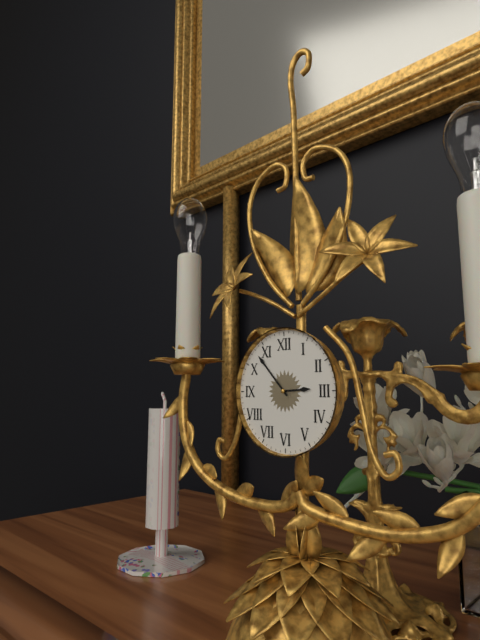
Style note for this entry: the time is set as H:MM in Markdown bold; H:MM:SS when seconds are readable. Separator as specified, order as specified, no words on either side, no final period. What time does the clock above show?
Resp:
**2:53**
